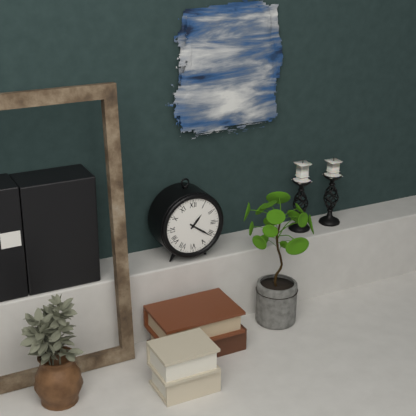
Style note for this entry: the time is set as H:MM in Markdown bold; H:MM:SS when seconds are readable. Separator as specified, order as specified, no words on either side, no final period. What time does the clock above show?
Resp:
**1:21**
